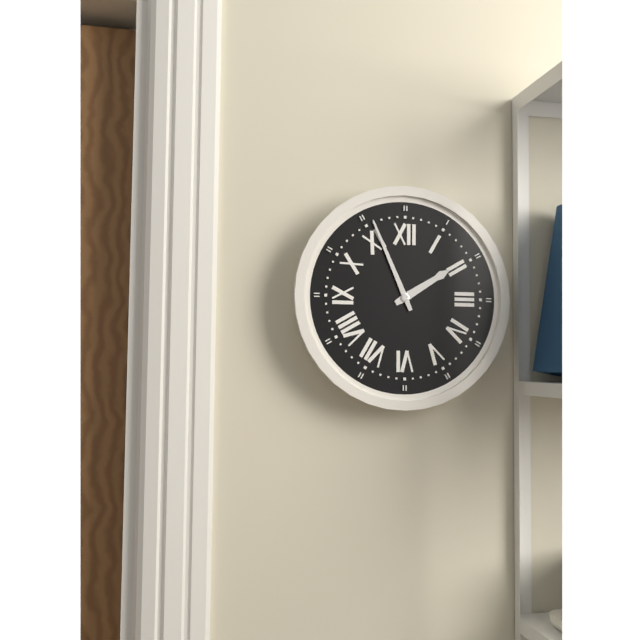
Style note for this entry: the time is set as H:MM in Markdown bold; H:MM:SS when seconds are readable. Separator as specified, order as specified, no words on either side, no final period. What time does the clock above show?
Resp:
**1:56**
